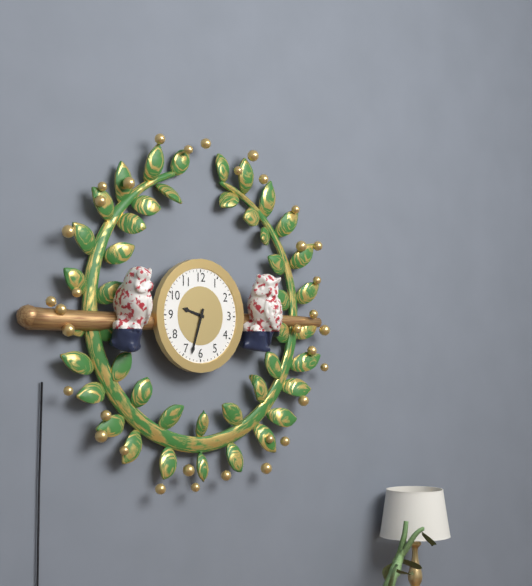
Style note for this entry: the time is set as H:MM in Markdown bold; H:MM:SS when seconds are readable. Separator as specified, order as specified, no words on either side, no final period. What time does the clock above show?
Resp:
**9:33**
